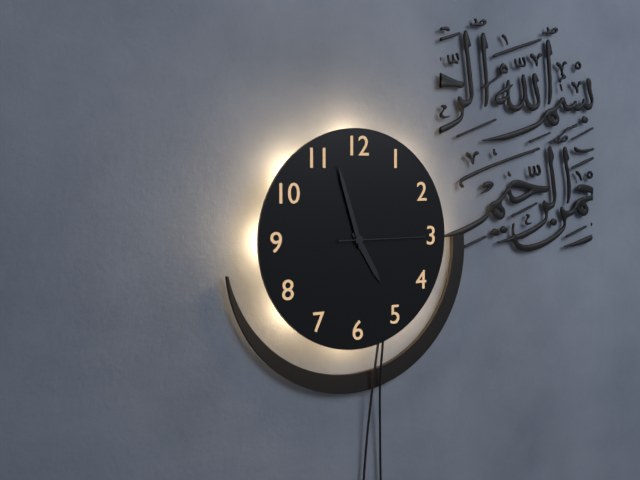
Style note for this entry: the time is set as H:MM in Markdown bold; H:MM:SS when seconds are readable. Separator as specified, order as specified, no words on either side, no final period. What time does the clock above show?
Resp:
**4:57:15**
